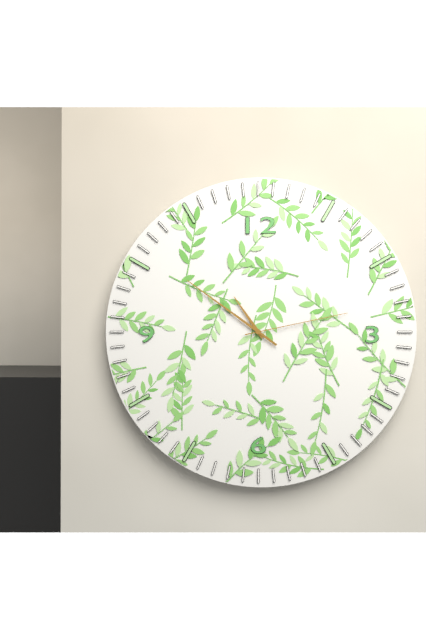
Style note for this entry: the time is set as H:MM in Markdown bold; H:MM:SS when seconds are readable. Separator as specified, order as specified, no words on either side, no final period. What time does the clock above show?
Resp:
**10:51:13**
